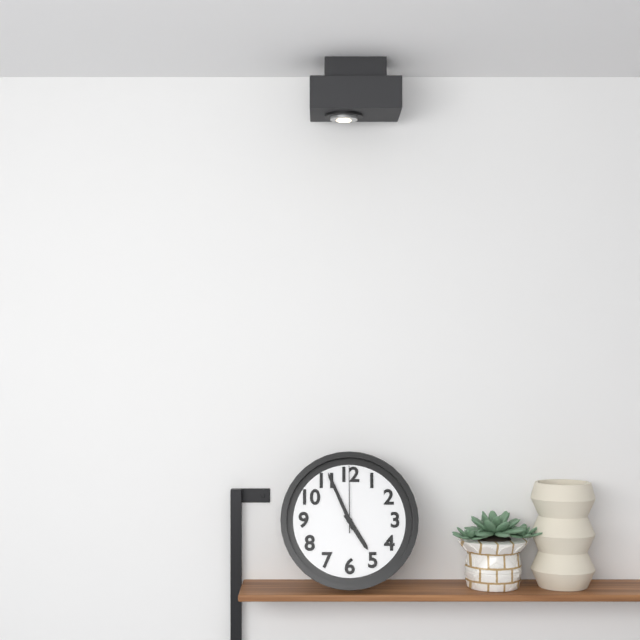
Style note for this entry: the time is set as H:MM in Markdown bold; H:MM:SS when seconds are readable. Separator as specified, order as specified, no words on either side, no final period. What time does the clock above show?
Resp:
**4:56:00**
